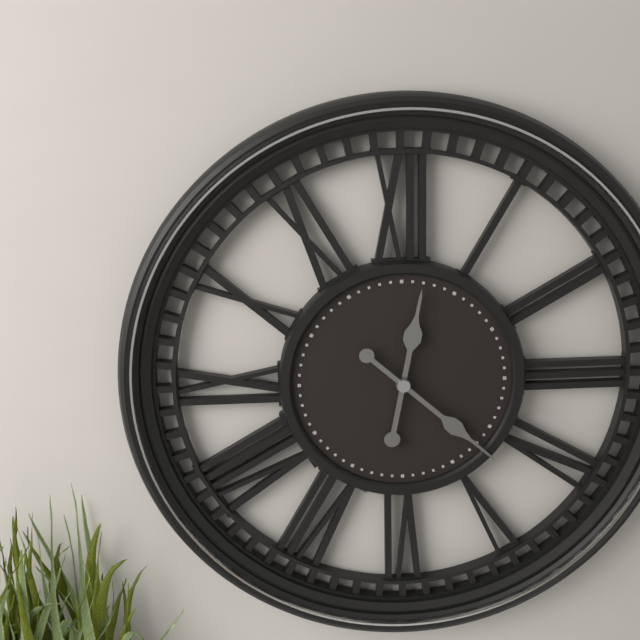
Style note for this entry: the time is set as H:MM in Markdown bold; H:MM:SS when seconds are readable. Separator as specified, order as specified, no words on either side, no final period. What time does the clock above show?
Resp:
**12:22**
